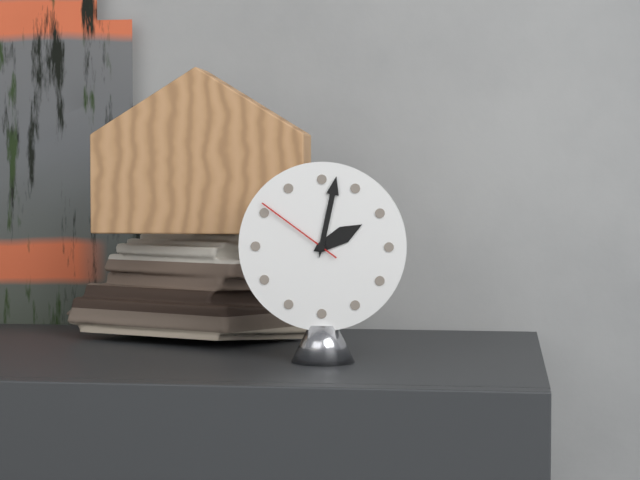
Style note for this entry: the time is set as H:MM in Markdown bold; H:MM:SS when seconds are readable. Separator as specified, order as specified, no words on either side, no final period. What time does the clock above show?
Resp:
**2:02:51**
